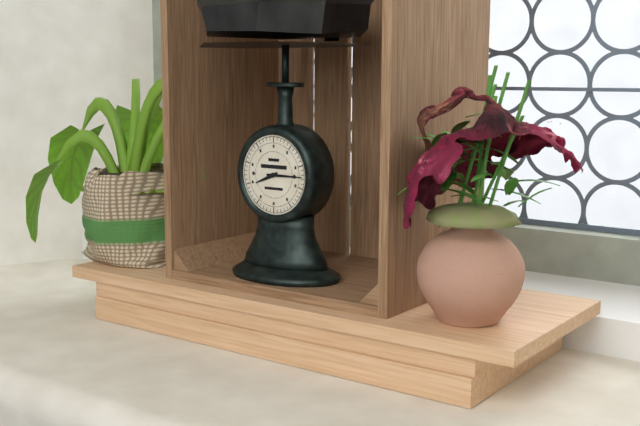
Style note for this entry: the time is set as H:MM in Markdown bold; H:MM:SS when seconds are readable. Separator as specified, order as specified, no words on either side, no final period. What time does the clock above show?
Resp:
**8:15**
